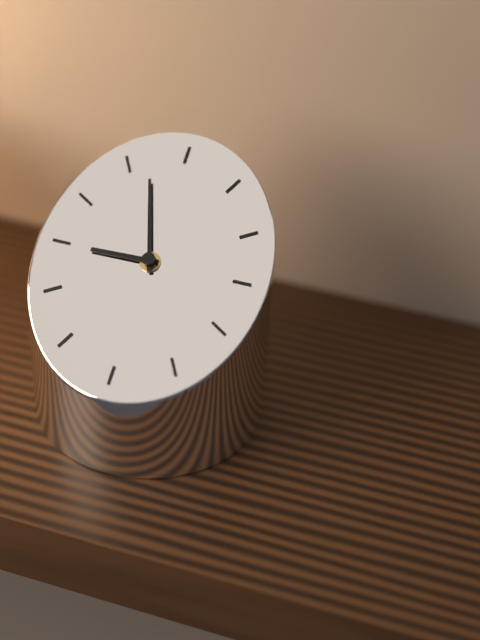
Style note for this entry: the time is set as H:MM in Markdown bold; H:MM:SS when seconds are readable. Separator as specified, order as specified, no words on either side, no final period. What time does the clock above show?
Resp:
**8:57**
